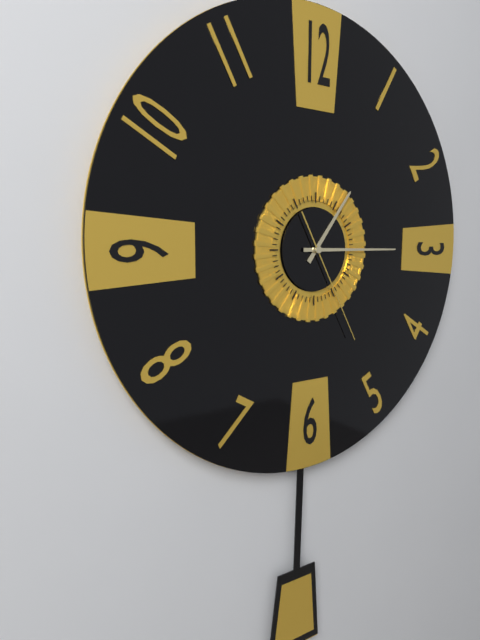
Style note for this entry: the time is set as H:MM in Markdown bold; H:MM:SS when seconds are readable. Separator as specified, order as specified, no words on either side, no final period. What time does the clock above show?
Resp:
**1:15:25**
